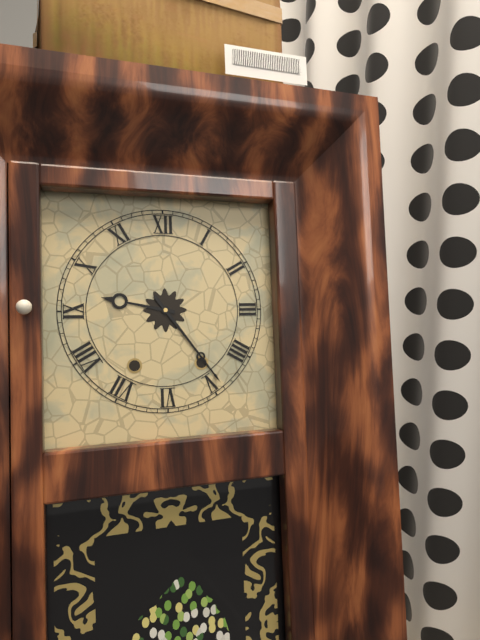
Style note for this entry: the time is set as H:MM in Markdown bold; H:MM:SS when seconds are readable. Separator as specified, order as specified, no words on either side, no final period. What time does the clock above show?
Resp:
**9:24**
